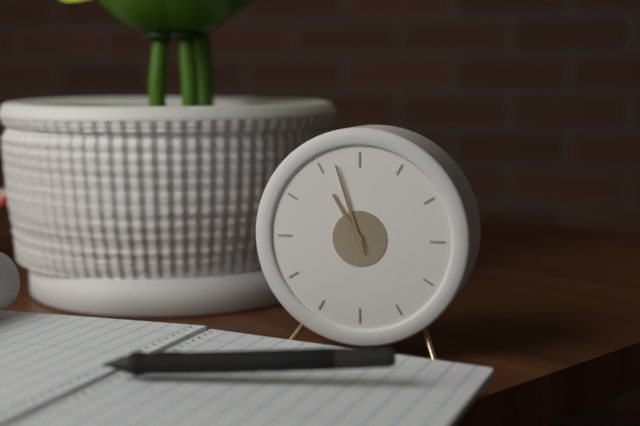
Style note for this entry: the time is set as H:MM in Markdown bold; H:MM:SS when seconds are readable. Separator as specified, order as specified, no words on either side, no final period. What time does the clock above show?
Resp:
**10:57**
